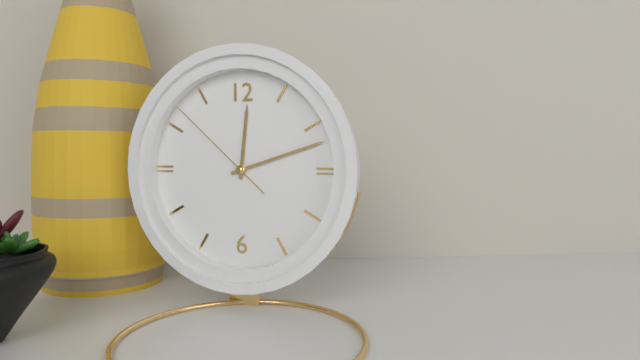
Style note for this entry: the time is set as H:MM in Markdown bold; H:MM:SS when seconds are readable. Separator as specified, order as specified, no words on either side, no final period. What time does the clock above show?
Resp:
**12:12:52**
